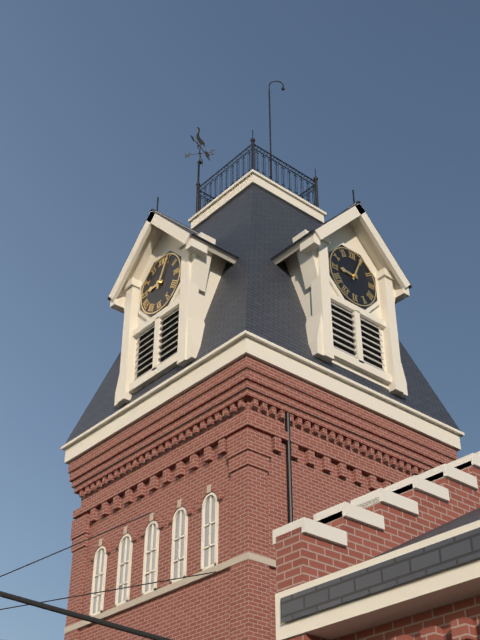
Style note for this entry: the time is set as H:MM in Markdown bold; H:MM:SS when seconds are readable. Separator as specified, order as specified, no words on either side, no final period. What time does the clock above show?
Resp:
**9:04**
